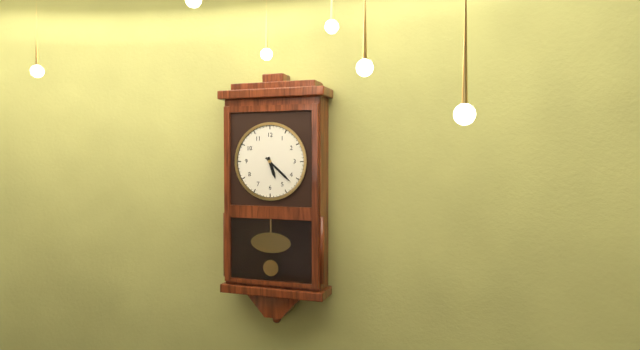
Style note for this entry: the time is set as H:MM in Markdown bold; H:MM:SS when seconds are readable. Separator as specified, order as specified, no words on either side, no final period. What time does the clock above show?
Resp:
**5:22**
